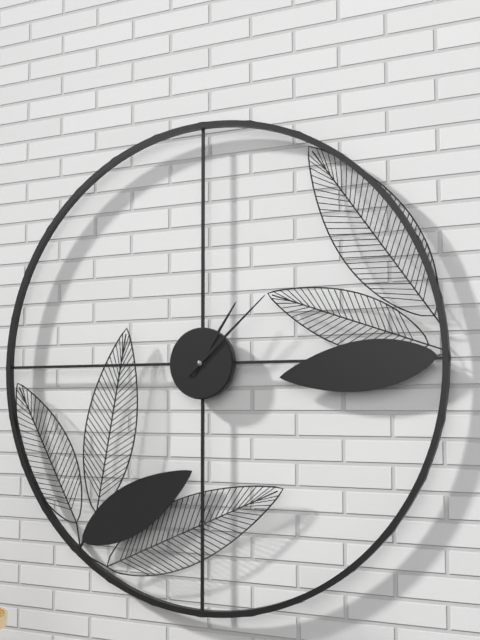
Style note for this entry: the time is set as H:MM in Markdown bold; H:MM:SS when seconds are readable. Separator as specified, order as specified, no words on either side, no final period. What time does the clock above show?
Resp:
**1:08**
